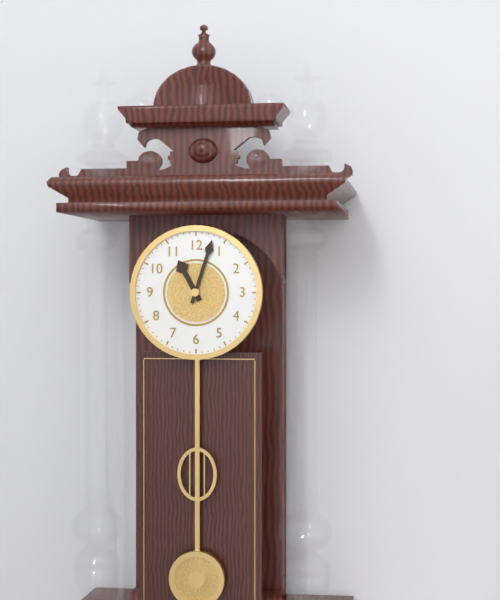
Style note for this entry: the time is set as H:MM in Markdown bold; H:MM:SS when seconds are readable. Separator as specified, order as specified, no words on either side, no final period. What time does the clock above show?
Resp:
**11:03**
